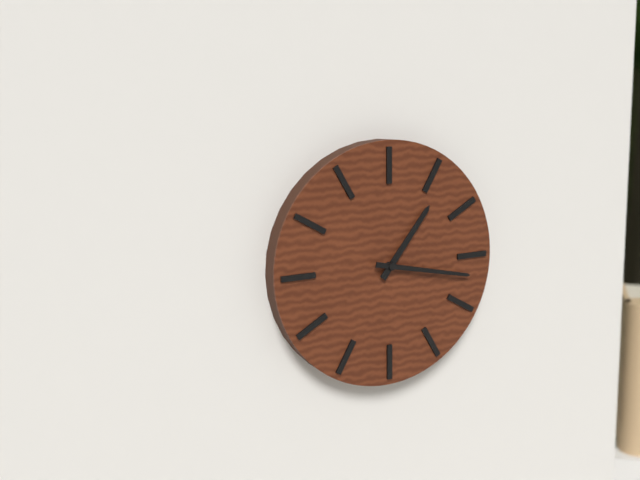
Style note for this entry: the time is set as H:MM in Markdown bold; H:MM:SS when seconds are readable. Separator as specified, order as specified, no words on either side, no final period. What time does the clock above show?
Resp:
**1:17**
